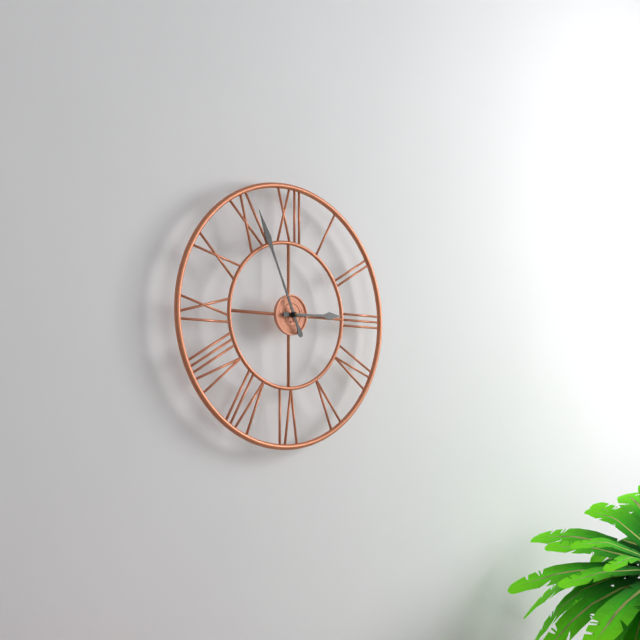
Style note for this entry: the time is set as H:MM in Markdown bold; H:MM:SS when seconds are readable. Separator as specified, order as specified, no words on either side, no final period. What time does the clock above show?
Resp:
**2:56**
